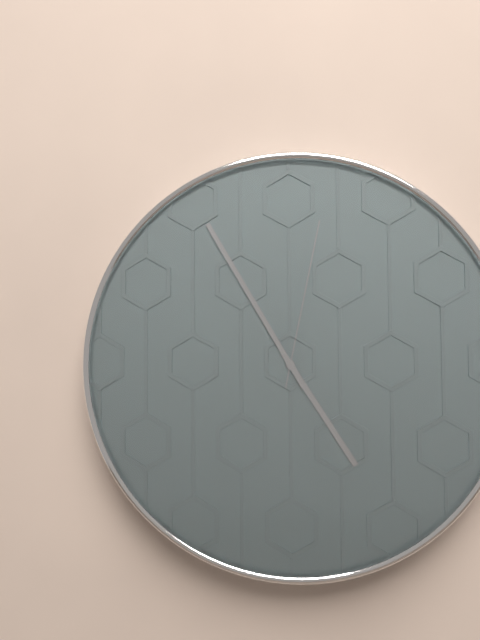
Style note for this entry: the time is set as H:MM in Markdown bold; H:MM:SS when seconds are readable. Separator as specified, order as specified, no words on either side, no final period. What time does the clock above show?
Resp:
**4:55:02**
